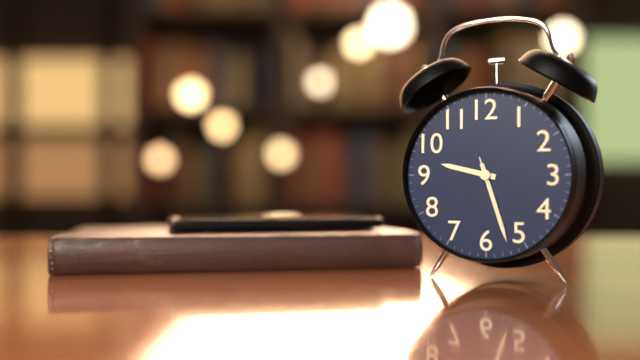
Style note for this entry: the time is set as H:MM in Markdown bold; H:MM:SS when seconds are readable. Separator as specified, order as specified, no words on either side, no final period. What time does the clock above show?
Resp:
**9:27:27**
